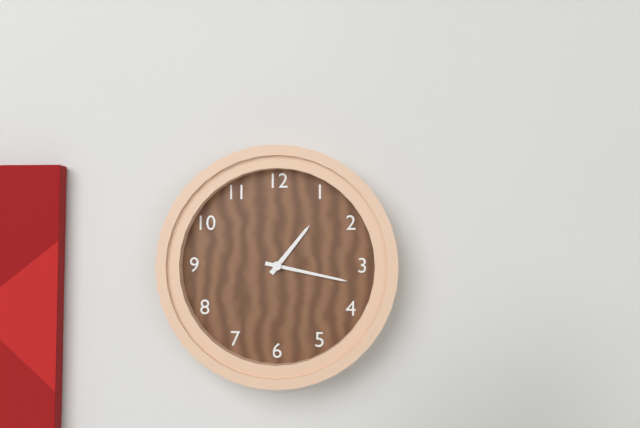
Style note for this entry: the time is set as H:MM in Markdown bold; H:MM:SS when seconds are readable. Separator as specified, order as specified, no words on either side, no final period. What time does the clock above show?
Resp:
**1:17**
